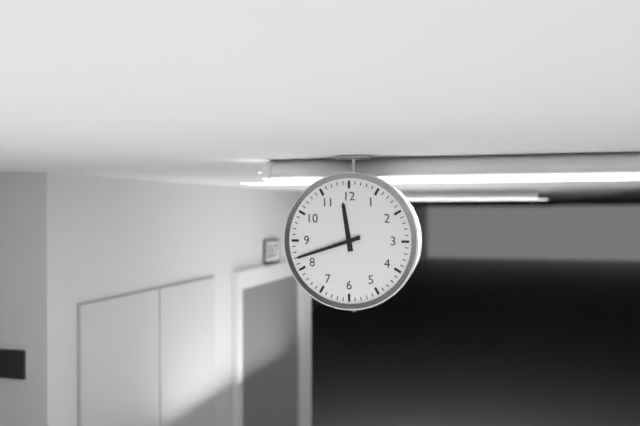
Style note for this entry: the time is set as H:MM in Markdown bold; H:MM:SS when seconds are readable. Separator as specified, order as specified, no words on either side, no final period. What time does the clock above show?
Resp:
**11:42**
